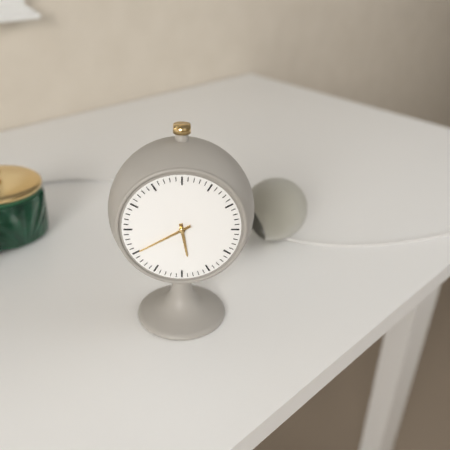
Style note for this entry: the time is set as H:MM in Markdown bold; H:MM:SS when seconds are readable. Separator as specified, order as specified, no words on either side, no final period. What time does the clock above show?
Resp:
**5:40**
